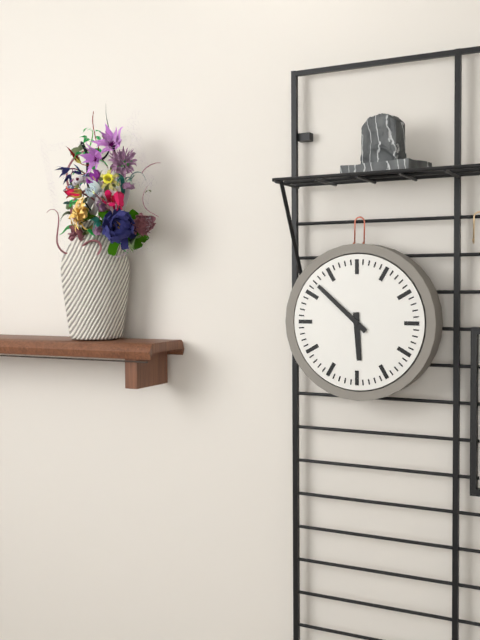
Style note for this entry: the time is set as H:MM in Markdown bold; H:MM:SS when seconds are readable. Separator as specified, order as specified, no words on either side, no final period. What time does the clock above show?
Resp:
**5:52**
